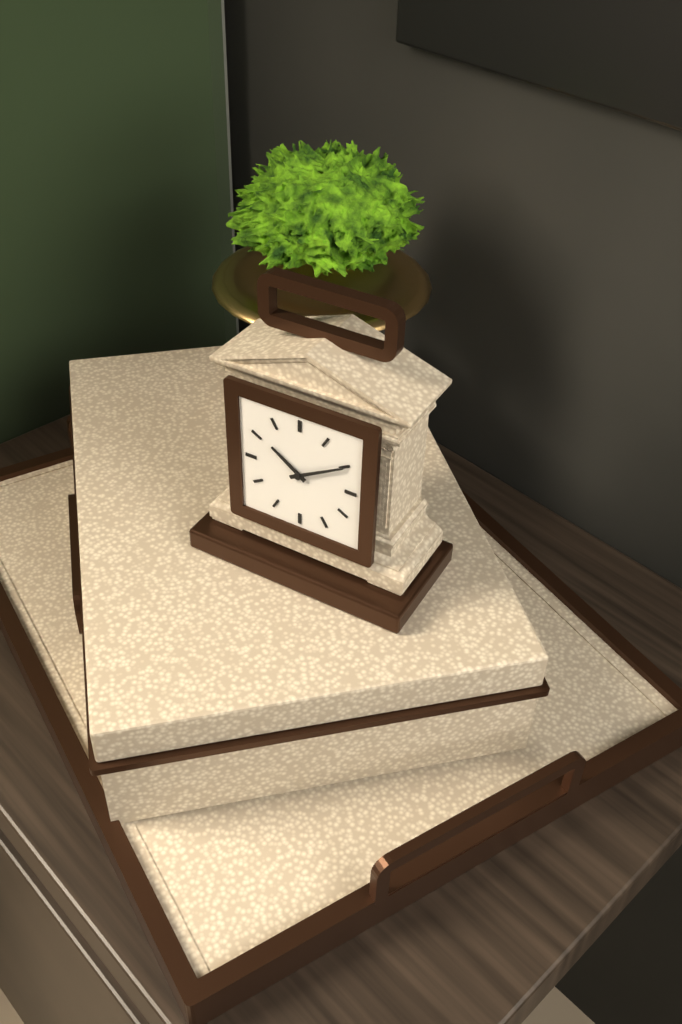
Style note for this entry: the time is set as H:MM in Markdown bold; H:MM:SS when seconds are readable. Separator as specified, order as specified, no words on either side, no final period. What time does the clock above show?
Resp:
**10:10**
